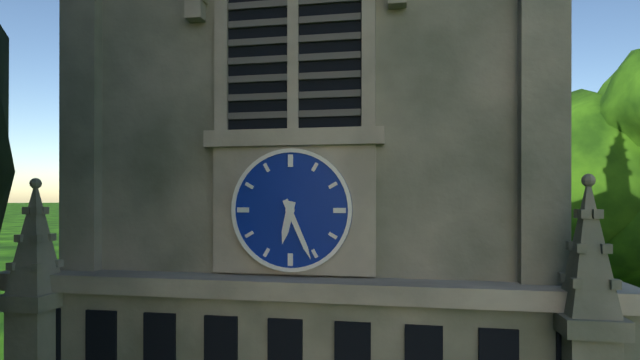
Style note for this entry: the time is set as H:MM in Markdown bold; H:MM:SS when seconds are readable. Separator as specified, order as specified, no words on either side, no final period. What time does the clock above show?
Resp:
**6:26**
